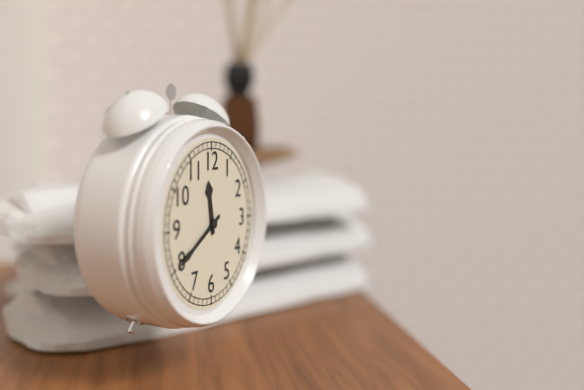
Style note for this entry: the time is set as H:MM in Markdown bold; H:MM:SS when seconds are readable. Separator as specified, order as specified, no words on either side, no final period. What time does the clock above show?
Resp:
**11:40**
